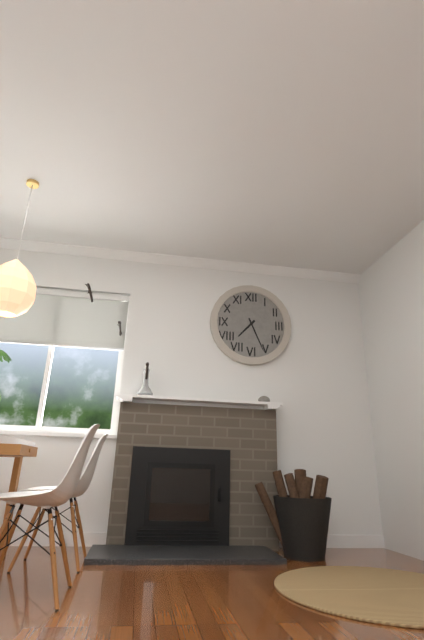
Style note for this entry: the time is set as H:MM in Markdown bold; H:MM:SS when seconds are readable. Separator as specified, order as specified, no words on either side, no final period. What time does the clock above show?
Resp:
**7:26**
